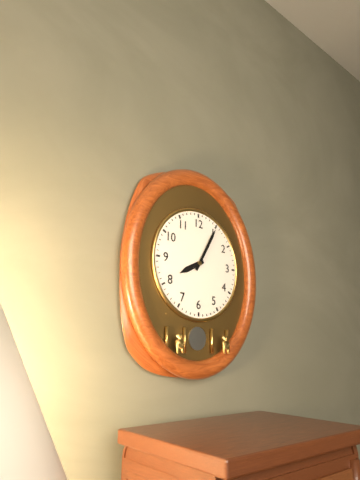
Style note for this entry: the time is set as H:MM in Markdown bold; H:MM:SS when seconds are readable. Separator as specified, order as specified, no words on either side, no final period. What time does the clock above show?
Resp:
**8:05**
